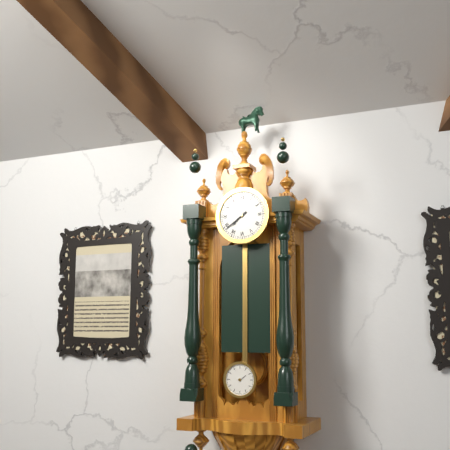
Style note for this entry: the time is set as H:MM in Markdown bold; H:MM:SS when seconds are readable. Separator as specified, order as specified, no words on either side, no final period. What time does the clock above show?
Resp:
**7:39**
